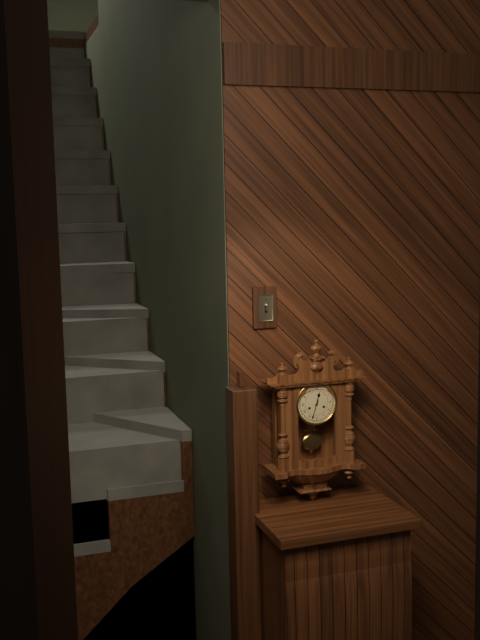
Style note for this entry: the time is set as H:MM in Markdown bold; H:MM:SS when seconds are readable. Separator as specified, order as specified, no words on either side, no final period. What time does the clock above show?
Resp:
**12:33**
